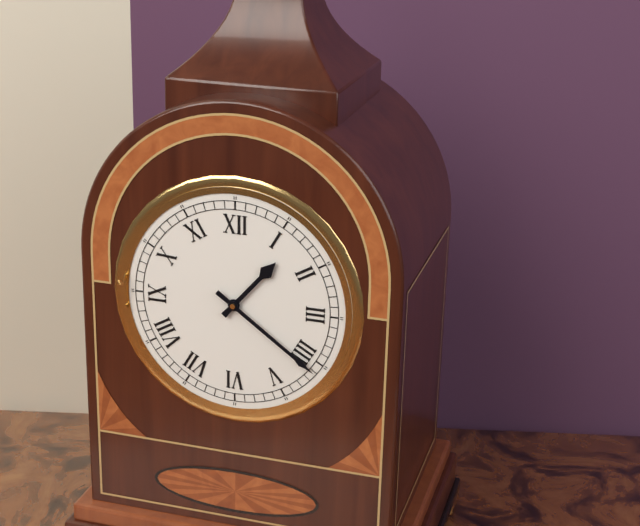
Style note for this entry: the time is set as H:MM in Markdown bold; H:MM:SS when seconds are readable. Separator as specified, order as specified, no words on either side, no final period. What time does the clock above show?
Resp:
**1:21**
